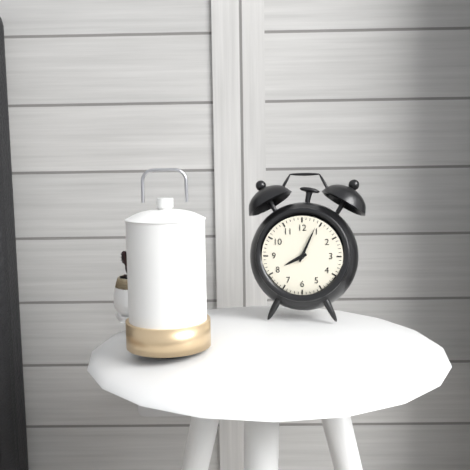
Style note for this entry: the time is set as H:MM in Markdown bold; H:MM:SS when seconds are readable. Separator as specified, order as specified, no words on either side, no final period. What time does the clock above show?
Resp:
**8:04**
